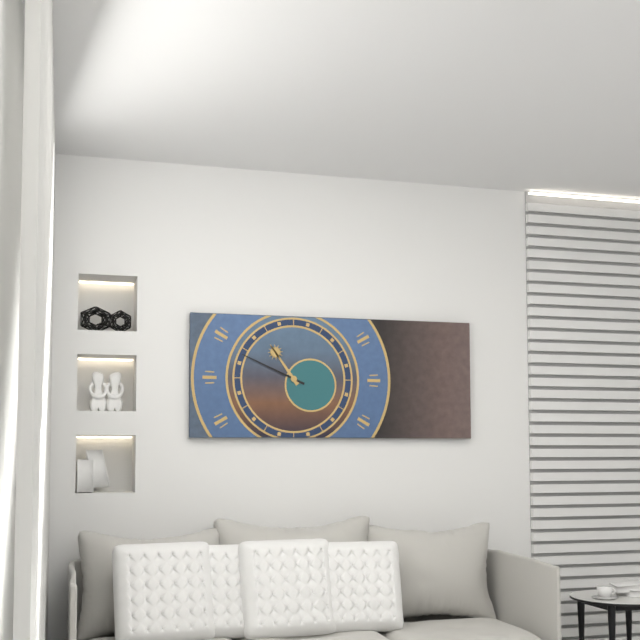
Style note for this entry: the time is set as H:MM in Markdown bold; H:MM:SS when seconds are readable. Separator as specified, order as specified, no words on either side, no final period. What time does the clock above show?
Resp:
**10:49**
